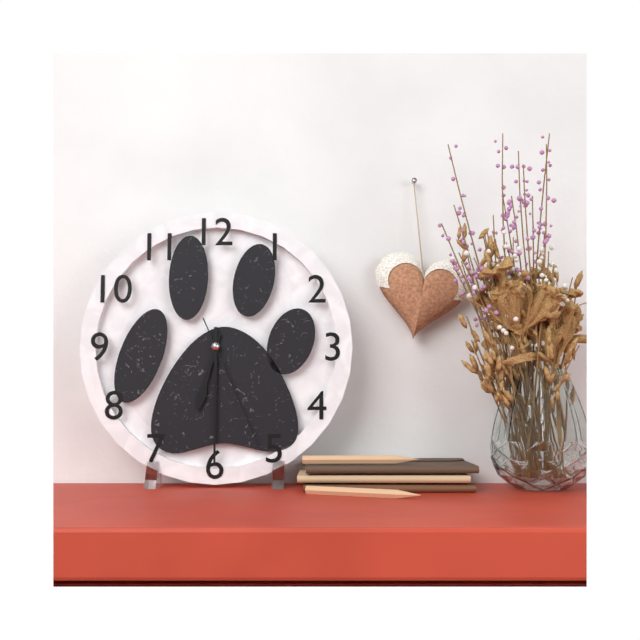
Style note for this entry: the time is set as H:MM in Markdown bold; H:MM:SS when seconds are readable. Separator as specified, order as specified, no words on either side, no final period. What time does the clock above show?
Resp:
**6:30:26**
